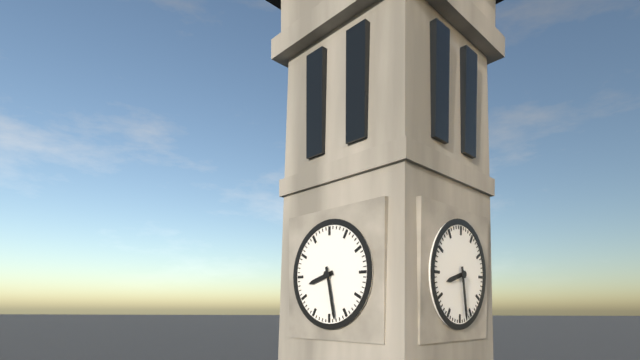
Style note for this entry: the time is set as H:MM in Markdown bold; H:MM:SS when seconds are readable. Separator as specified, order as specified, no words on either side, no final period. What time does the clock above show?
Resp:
**8:28**
